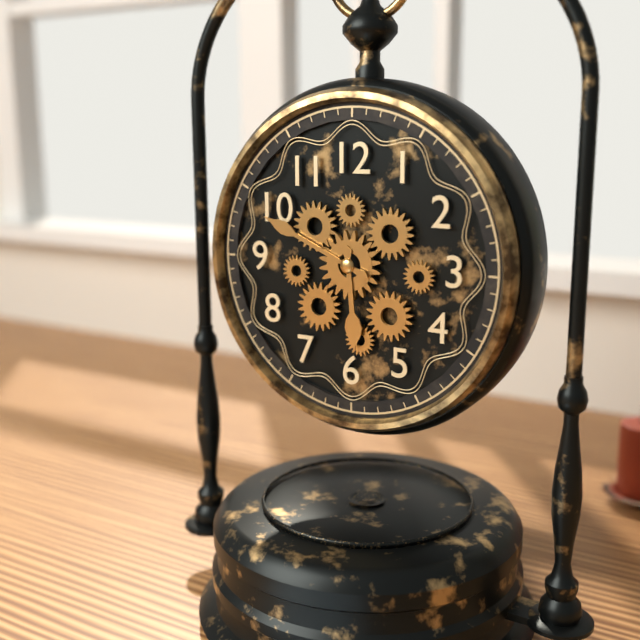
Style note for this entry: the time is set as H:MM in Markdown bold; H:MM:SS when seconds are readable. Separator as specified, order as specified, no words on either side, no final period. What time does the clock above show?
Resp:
**5:49**
